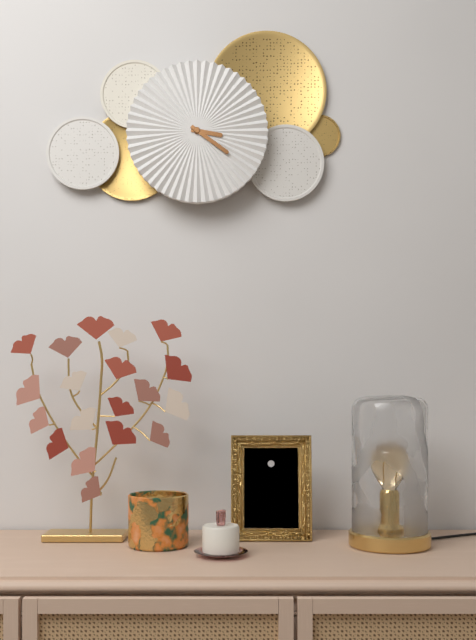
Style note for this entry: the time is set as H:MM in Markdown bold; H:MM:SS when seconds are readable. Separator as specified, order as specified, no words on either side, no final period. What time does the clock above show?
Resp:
**3:21**
